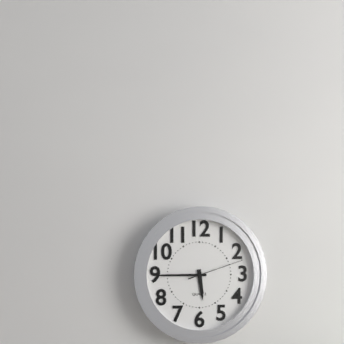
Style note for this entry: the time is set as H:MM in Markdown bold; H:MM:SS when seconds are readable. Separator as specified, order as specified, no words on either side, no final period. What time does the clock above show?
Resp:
**5:45:12**
